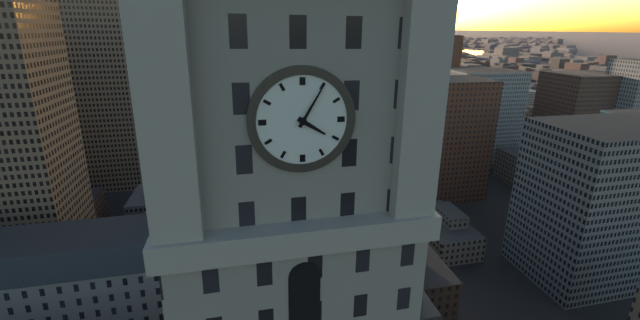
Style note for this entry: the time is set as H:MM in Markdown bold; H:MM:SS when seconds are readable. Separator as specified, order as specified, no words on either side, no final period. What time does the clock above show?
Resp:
**4:05**
